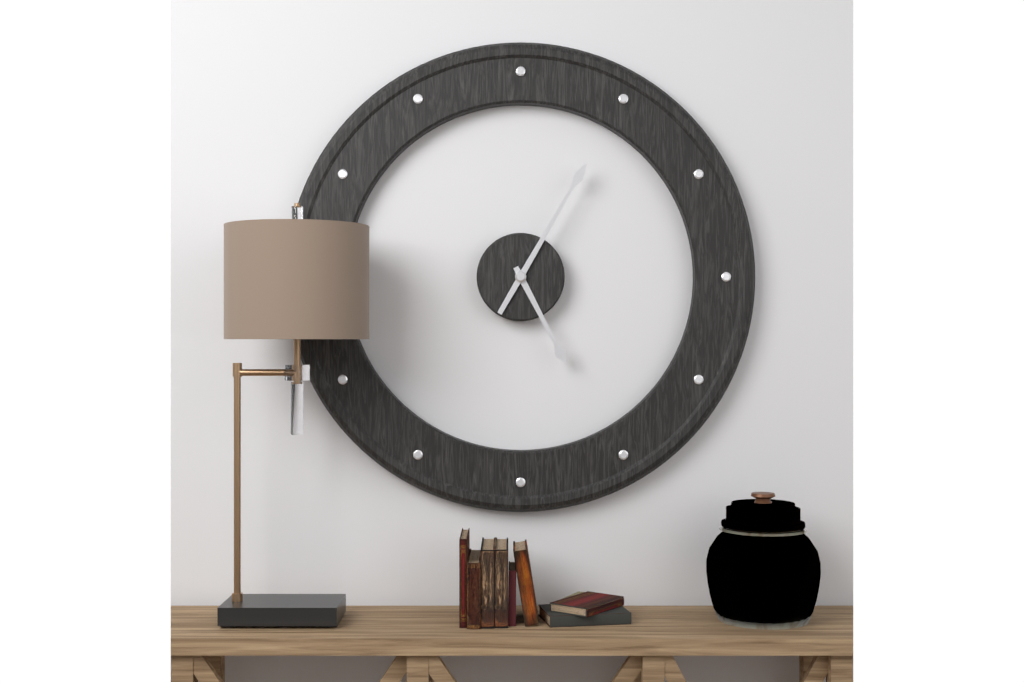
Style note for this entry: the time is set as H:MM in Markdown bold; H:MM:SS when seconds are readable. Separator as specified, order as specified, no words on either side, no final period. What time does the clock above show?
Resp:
**5:05**
